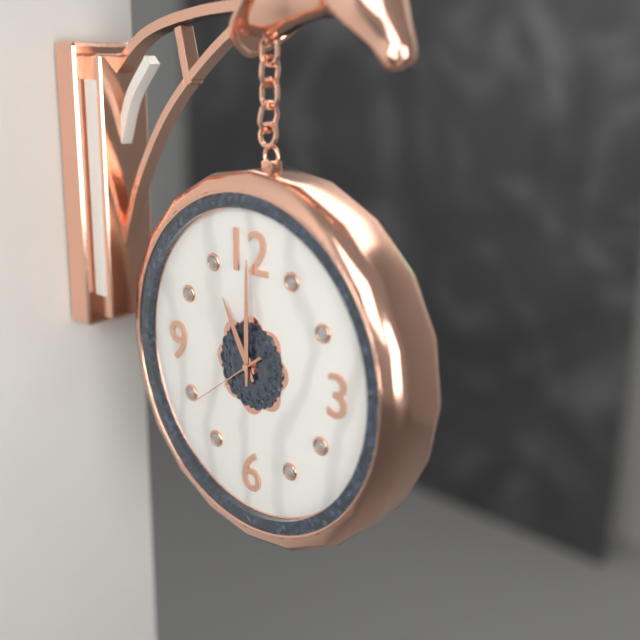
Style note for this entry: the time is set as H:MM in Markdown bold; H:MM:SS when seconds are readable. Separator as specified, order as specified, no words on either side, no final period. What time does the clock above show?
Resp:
**11:00:39**
